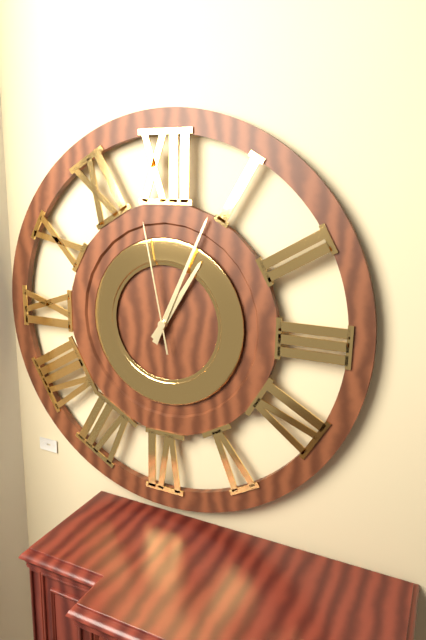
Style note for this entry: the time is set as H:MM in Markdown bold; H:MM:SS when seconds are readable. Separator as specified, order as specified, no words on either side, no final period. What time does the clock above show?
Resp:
**1:04:58**
